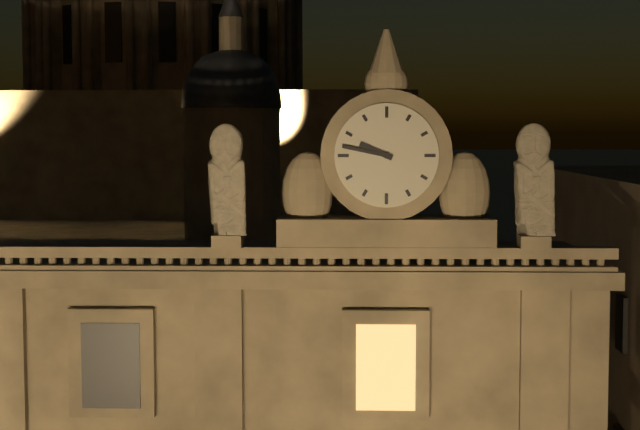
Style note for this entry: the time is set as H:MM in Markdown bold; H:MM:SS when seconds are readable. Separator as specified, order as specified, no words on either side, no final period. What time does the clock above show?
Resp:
**9:47**
